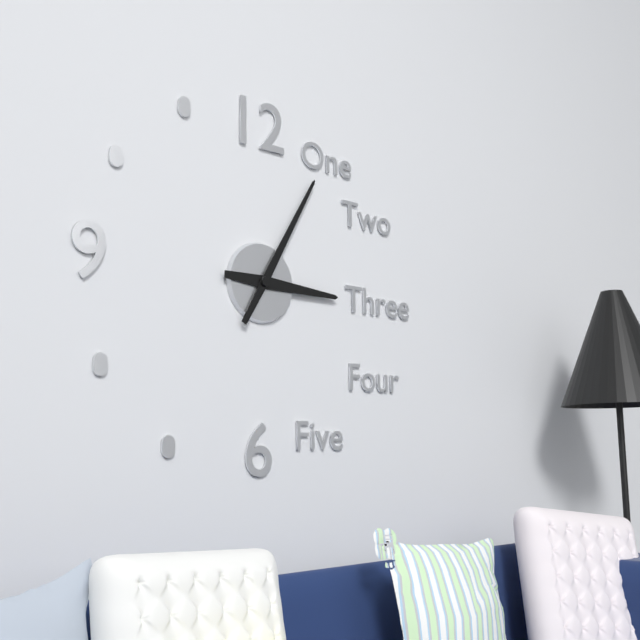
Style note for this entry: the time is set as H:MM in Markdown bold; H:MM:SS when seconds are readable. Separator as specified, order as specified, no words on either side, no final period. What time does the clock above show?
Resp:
**3:05**
